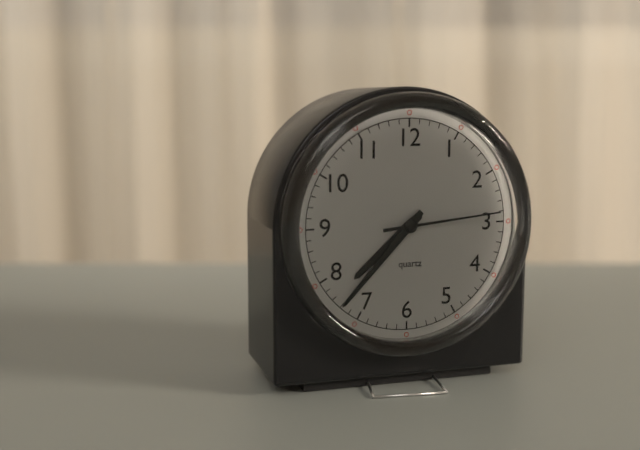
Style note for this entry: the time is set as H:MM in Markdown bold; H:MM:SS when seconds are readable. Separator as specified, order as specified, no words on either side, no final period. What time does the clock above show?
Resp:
**7:37:14**
